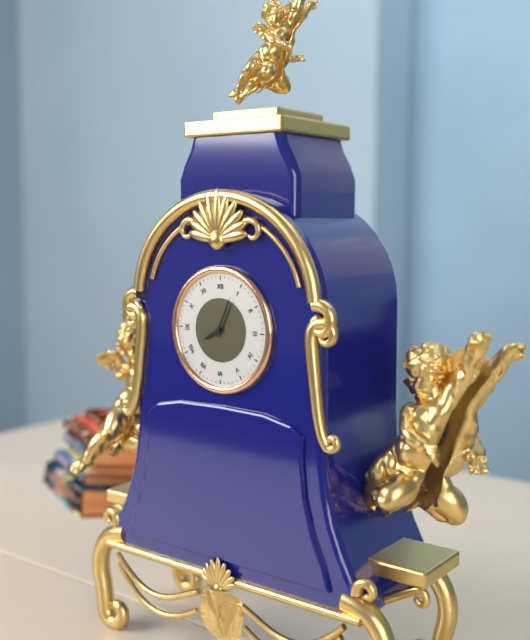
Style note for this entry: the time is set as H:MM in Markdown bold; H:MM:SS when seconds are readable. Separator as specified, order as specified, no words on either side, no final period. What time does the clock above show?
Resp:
**8:04**
